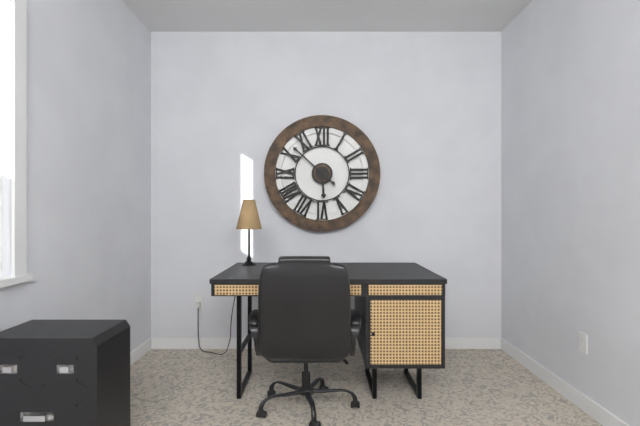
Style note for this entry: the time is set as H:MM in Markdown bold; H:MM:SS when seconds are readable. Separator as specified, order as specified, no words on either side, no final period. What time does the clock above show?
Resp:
**5:52**
